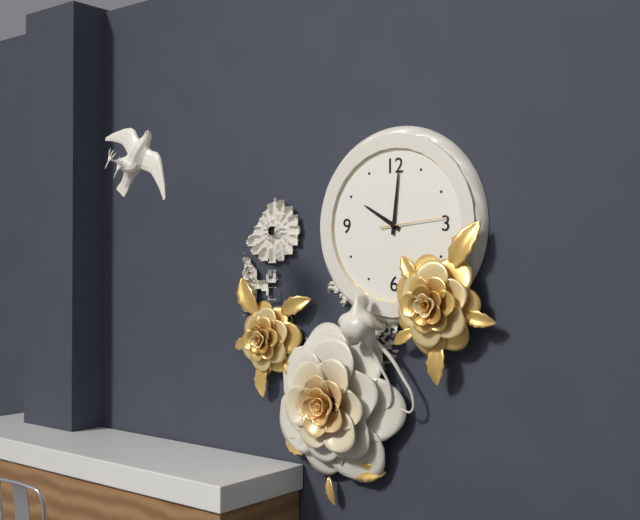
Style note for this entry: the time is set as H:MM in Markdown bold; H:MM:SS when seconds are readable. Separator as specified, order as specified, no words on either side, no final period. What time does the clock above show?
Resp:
**10:01:14**
